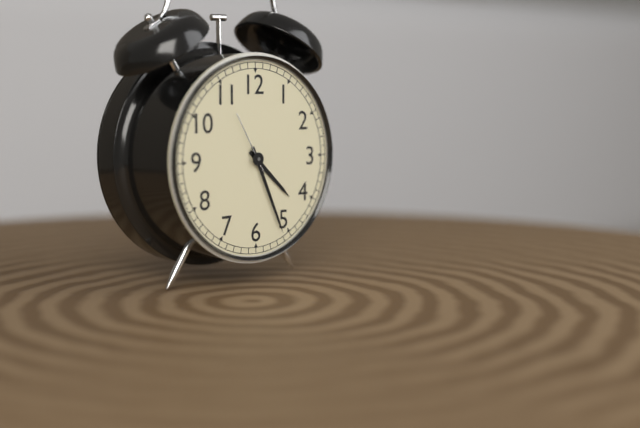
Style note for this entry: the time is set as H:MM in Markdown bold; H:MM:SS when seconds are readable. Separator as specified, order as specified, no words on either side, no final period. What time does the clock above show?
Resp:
**4:26:55**
